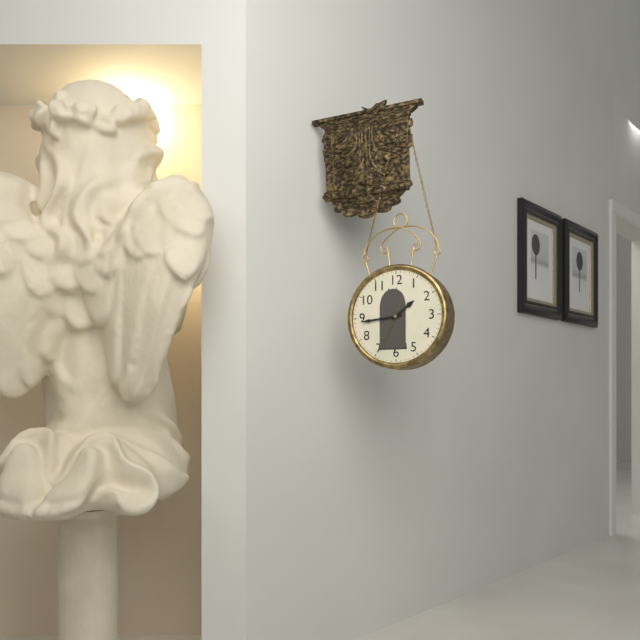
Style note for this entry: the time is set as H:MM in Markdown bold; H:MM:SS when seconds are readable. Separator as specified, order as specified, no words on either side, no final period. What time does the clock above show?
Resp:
**1:44**
